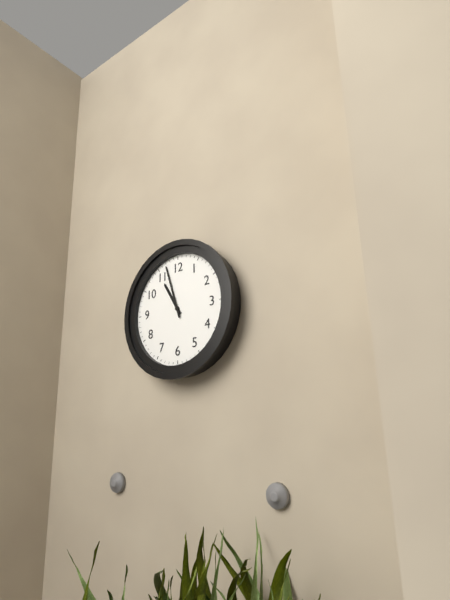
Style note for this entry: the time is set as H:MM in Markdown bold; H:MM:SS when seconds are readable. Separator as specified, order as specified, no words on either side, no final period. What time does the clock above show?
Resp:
**10:57**
